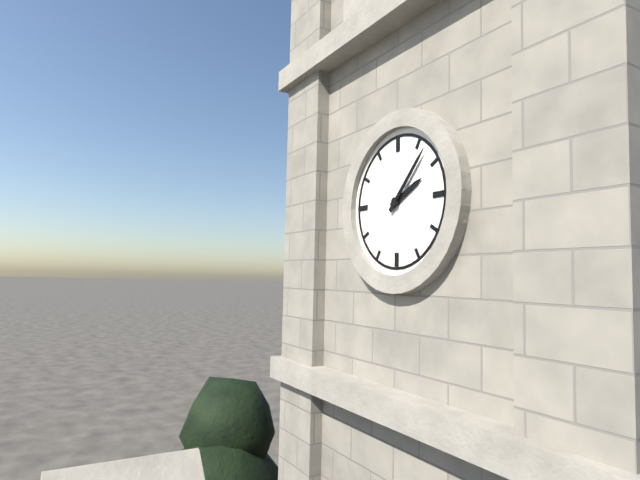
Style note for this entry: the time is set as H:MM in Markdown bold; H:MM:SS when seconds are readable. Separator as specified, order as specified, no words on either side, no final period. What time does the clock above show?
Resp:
**2:07**
